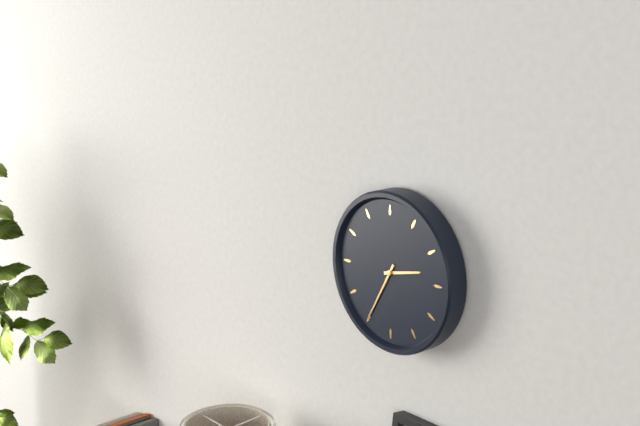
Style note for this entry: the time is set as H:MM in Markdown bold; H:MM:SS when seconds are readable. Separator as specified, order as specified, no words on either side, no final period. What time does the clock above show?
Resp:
**2:35**
